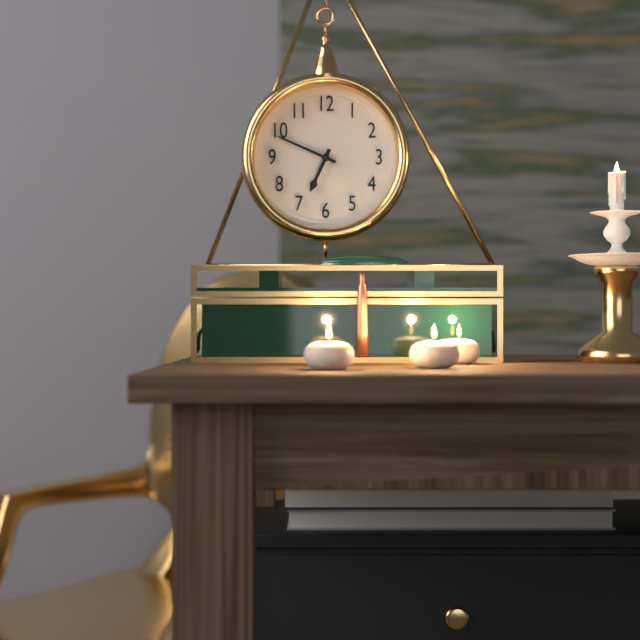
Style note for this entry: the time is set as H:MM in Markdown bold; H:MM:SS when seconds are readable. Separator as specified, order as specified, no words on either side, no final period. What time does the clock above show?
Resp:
**6:49**
